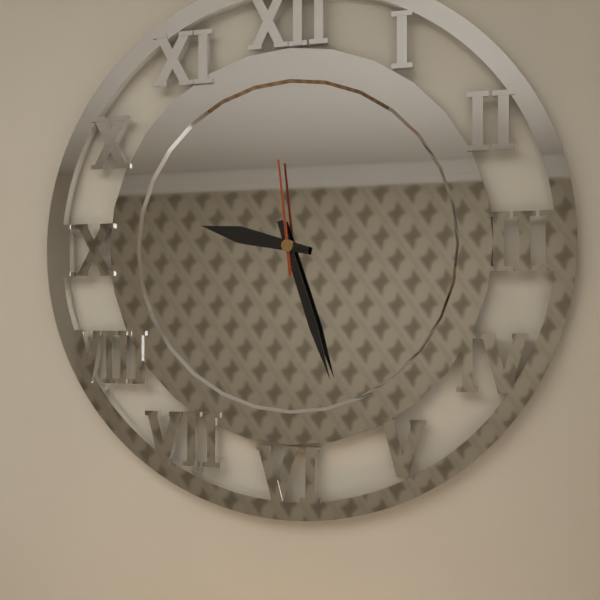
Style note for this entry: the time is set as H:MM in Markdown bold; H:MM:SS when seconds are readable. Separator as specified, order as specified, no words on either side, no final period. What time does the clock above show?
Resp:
**9:27:59**
